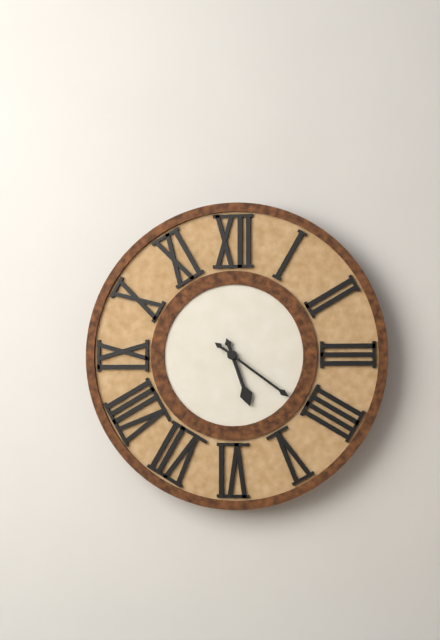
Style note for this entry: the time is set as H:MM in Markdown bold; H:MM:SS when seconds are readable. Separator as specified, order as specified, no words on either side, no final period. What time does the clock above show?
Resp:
**5:21**
